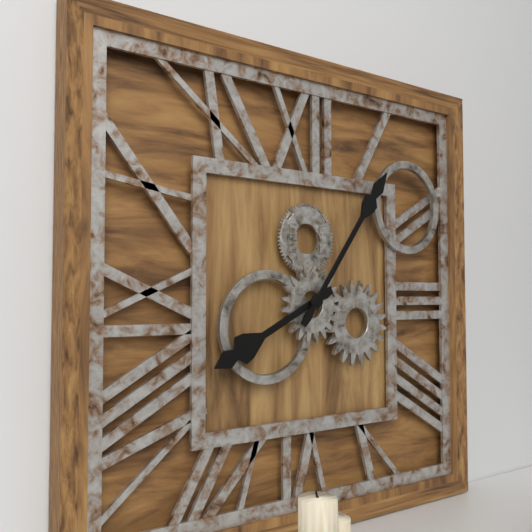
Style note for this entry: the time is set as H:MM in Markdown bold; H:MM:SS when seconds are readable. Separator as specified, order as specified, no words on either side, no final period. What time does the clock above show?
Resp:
**8:06**
